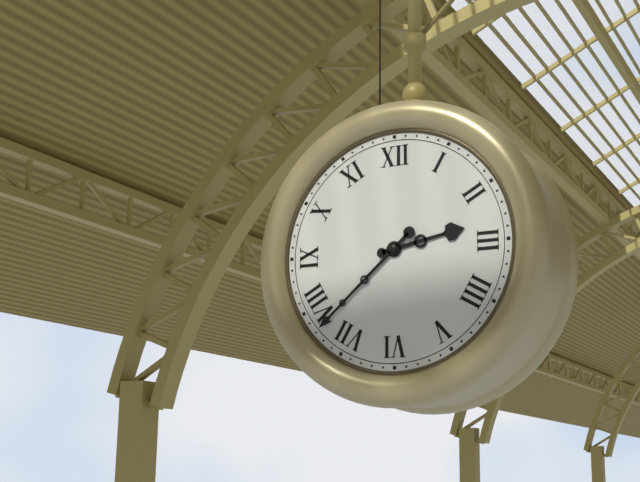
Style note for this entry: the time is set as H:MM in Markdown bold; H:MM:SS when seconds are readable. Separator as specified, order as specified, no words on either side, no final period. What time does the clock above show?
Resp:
**2:38**
